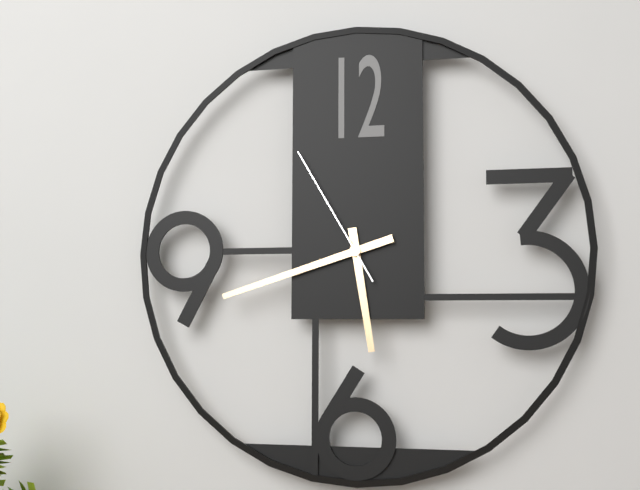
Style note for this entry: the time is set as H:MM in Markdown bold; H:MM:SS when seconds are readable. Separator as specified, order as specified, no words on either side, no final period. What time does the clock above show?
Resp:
**5:42:55**
